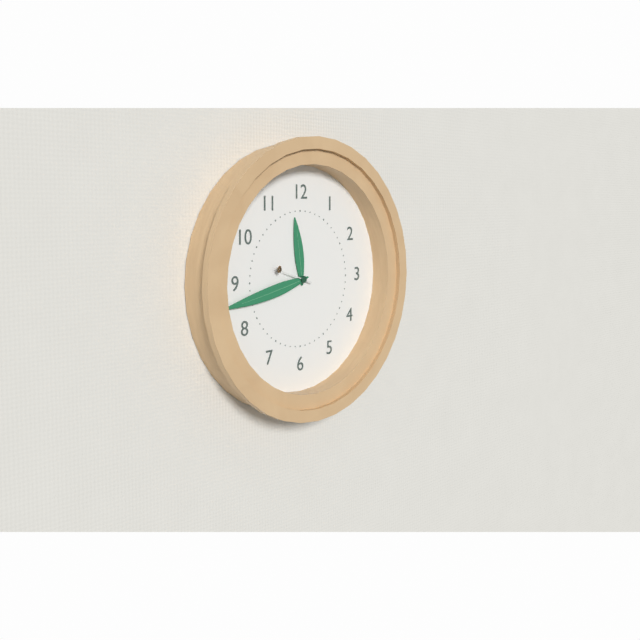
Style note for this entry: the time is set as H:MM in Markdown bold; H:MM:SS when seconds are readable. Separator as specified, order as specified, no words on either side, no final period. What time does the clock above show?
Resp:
**11:43**
